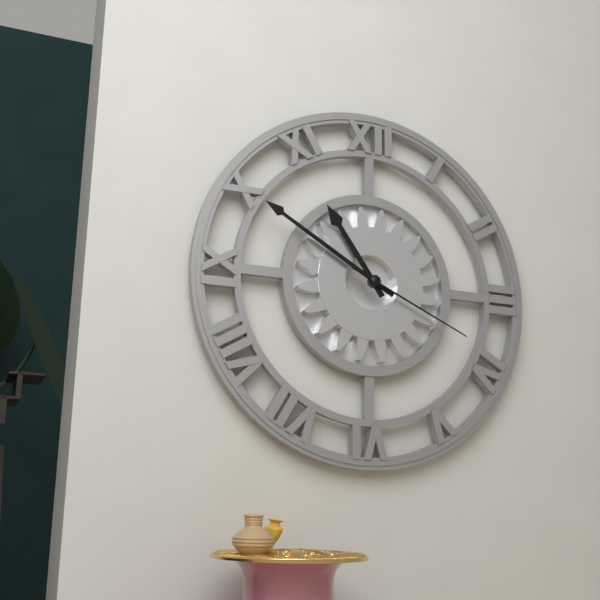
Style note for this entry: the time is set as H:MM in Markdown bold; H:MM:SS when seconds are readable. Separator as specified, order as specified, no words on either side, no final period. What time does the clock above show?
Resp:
**10:50:19**
